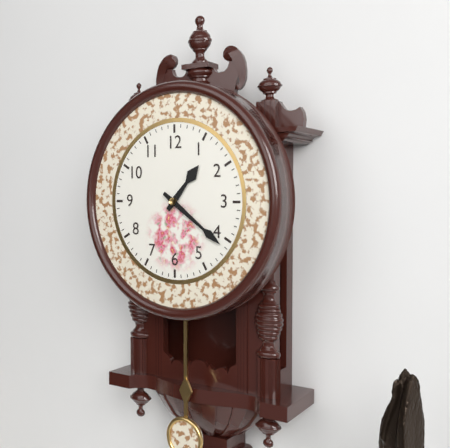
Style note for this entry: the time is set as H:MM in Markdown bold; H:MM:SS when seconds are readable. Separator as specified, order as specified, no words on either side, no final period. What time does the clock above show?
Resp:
**1:21**
